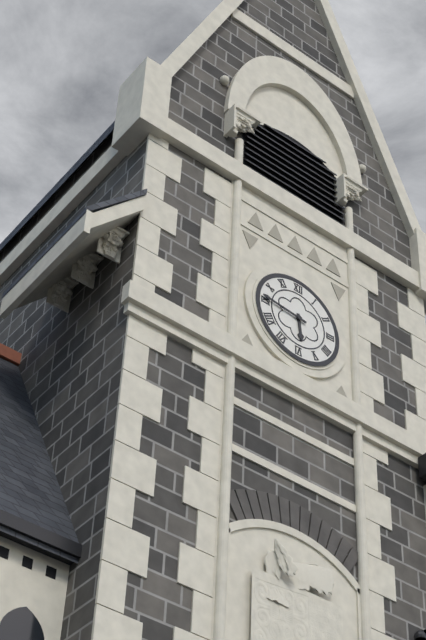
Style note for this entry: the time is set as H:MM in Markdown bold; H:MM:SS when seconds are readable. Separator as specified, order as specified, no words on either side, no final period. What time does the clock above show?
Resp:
**5:46**
